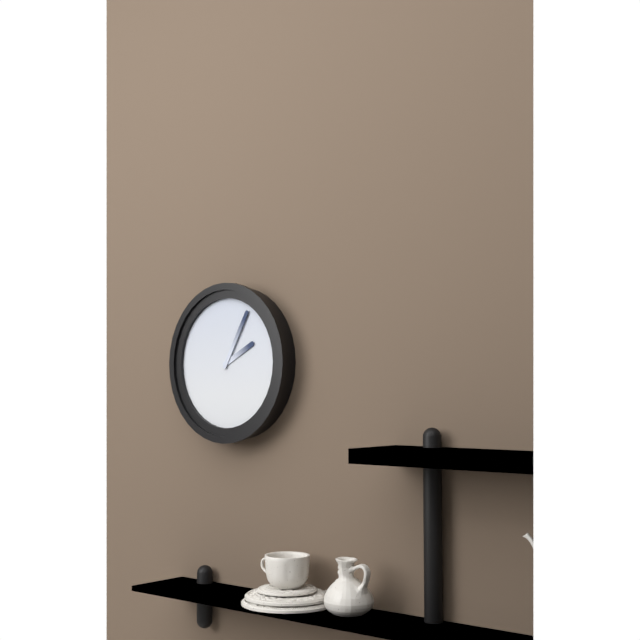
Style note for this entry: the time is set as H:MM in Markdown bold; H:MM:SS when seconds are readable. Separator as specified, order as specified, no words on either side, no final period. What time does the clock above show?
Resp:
**2:05**
